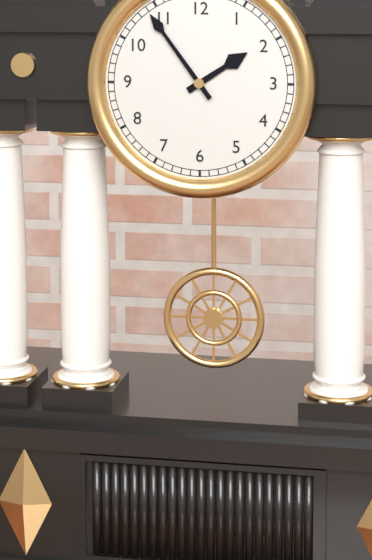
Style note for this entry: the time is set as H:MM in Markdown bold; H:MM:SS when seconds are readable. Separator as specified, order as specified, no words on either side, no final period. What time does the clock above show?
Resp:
**1:54**
